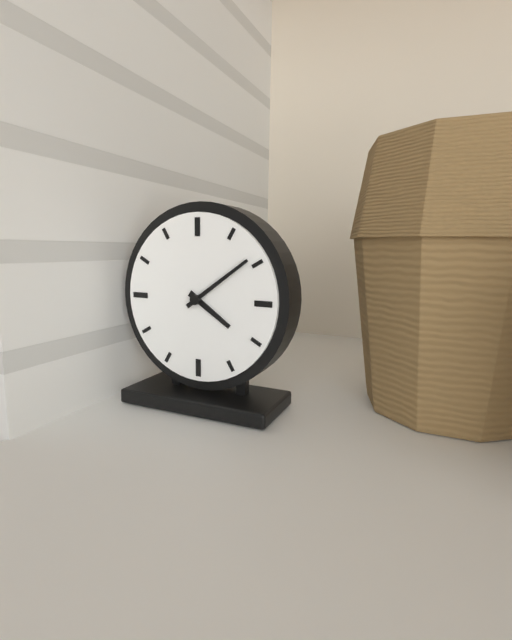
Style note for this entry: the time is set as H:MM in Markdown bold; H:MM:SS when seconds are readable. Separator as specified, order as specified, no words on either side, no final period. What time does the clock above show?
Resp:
**4:09**
